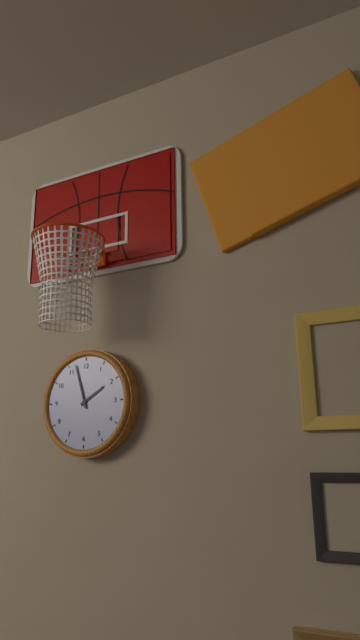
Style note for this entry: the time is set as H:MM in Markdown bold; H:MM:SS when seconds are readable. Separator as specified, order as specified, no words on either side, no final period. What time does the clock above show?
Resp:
**1:57**
